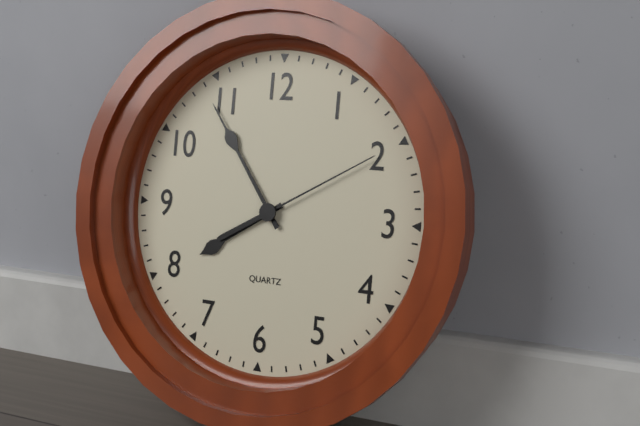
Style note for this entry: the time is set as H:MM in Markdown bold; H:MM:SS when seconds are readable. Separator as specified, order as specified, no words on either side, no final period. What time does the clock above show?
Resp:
**7:54:10**
